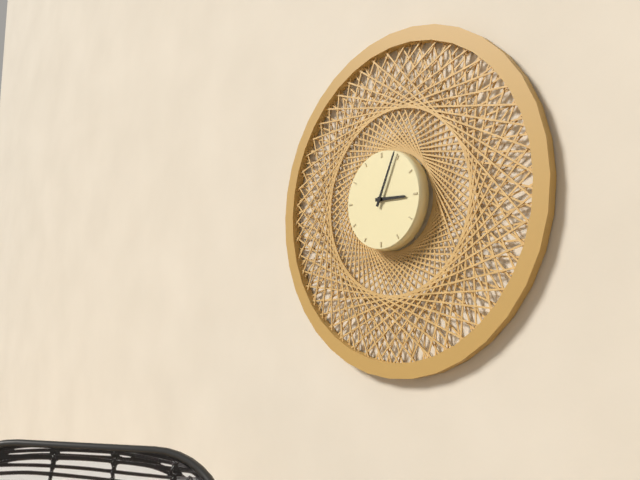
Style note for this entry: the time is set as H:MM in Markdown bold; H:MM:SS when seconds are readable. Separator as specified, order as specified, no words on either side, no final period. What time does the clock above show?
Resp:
**3:04**
